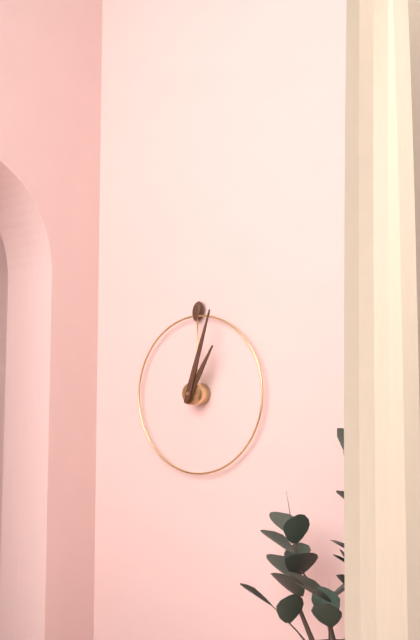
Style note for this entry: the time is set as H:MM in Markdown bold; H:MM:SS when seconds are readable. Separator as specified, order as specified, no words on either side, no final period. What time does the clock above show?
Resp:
**1:03**
